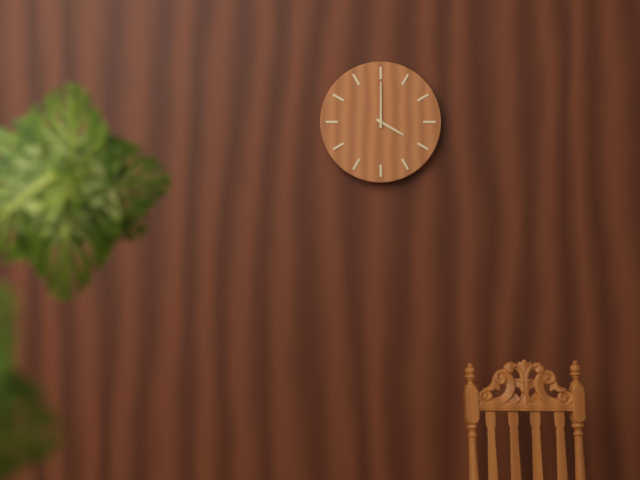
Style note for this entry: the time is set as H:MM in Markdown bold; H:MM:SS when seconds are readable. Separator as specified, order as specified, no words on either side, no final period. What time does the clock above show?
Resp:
**4:00**
